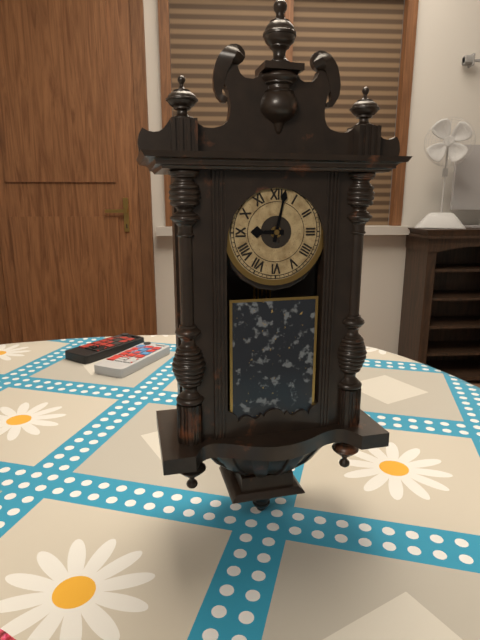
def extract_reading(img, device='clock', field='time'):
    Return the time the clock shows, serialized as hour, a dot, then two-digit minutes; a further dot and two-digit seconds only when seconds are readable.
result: 9.02
